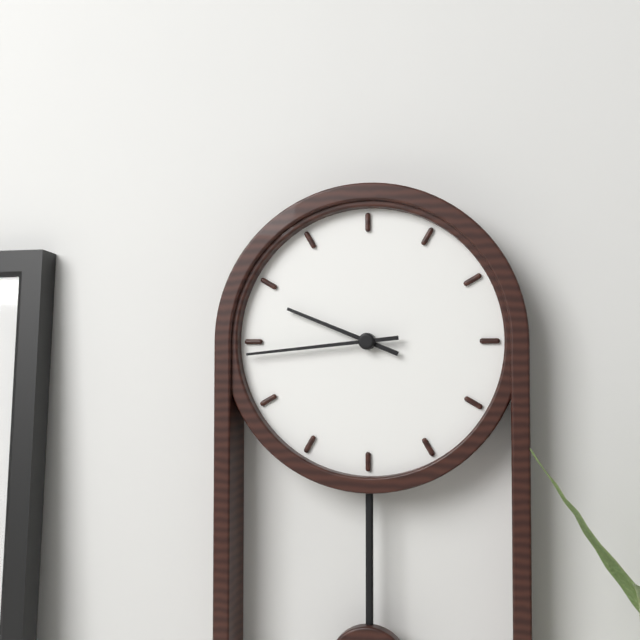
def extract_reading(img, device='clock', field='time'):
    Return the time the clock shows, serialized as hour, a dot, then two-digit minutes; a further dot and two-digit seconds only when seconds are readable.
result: 9.44
